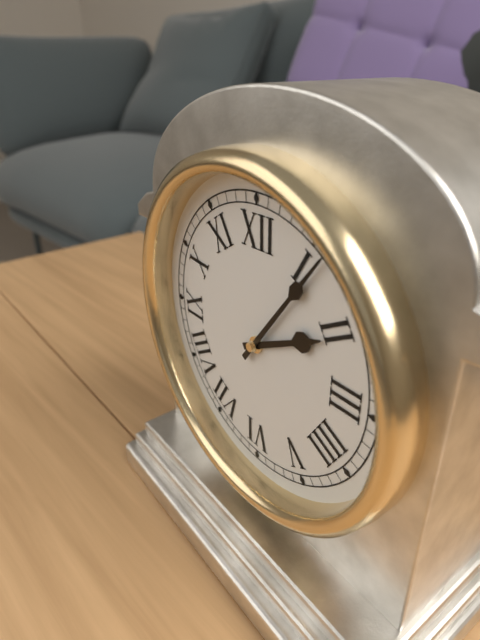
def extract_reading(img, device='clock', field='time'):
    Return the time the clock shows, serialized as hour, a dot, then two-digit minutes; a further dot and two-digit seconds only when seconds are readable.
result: 2.06
